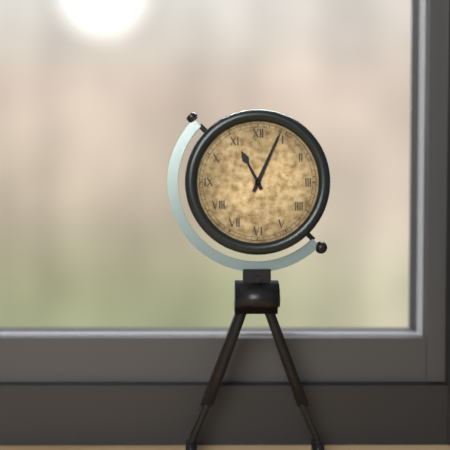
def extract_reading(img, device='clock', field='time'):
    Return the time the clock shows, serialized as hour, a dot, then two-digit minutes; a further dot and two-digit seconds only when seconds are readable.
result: 11.04
